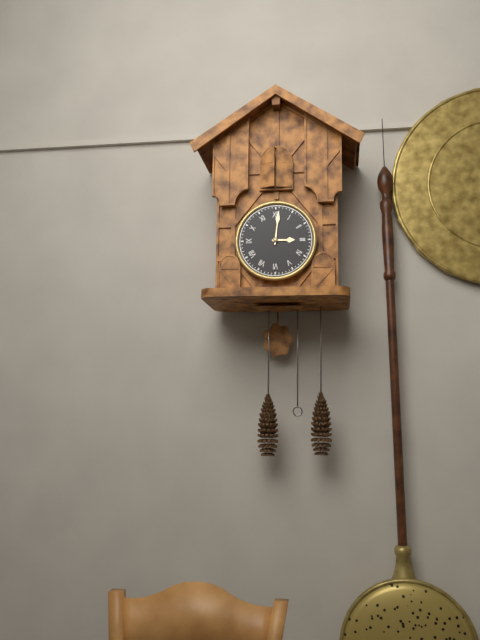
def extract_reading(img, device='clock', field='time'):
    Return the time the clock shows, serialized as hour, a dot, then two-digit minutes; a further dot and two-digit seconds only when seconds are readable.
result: 3.01
